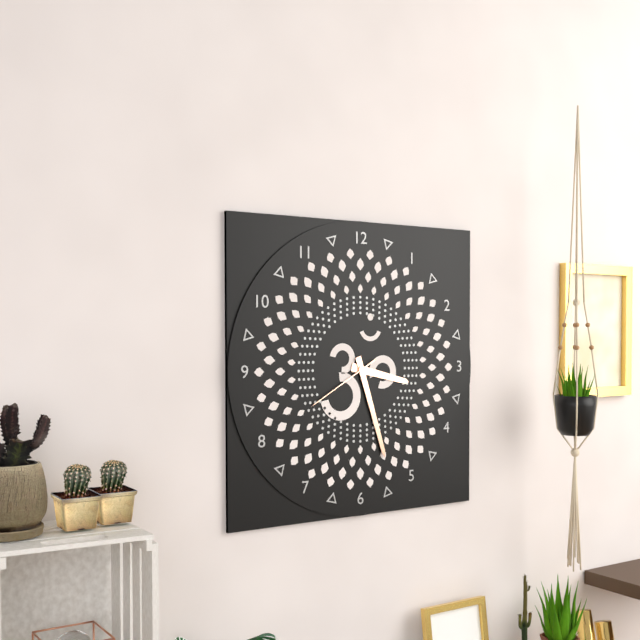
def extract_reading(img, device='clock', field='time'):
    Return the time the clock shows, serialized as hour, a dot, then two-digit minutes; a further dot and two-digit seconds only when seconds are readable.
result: 3.27.40
